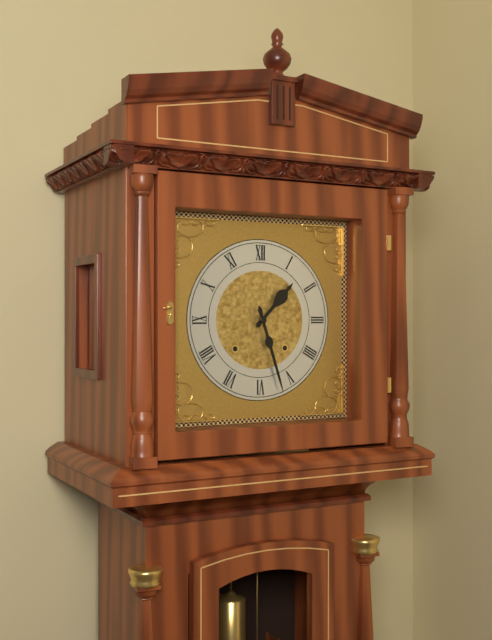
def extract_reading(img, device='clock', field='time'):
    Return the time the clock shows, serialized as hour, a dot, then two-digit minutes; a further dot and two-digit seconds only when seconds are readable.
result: 1.27
